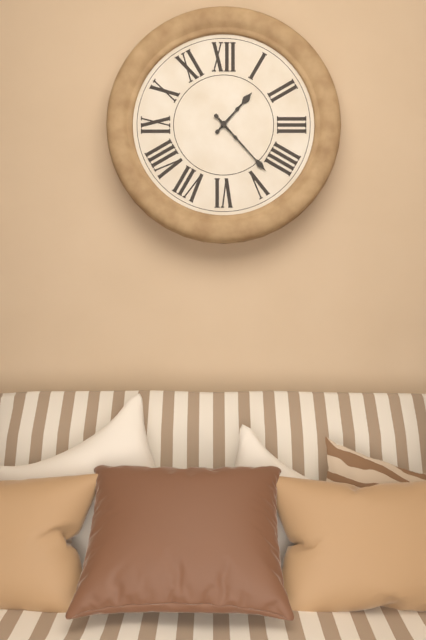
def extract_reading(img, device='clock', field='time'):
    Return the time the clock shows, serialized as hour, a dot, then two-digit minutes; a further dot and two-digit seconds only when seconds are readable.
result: 1.23
